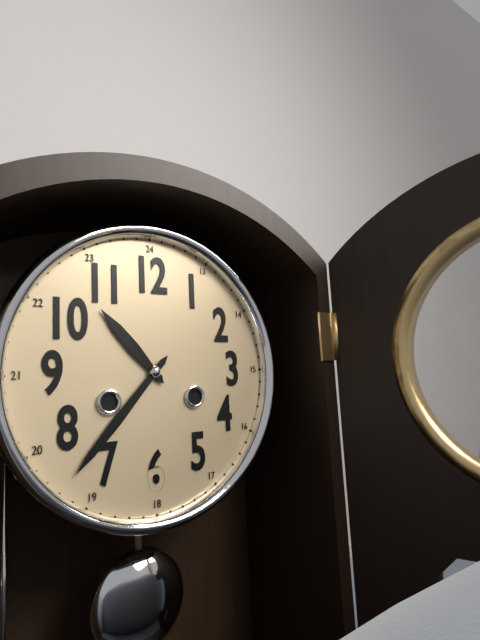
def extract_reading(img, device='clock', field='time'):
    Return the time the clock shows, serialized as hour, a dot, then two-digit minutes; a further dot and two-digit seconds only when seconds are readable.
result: 10.37
